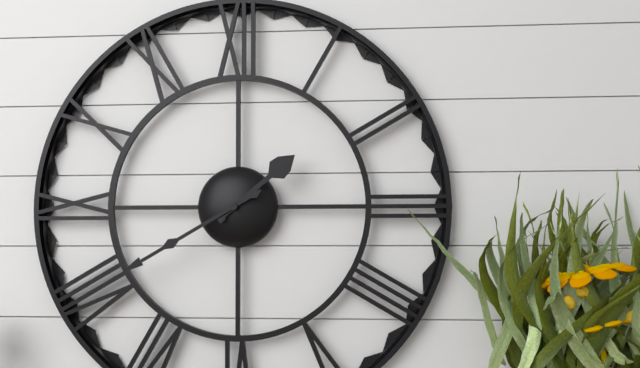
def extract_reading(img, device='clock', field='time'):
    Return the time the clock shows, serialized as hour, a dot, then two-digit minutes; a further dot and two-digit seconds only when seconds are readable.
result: 1.40
